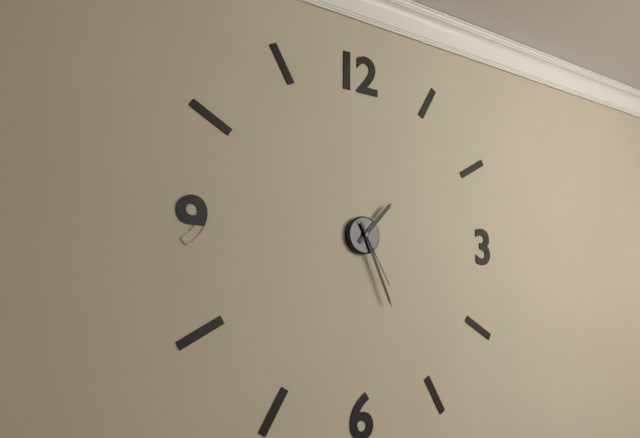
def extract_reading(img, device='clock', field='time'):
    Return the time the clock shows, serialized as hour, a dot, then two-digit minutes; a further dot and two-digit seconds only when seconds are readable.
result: 1.26.25
